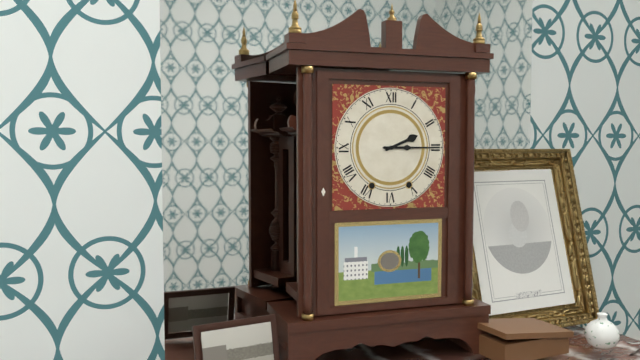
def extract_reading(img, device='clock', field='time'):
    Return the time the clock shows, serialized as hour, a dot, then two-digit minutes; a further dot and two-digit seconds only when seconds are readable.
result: 2.15
